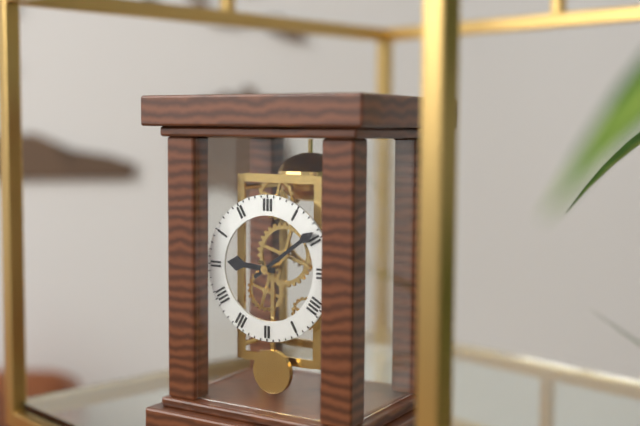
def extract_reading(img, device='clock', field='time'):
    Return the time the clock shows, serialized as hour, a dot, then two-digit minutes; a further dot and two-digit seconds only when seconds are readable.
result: 9.09
